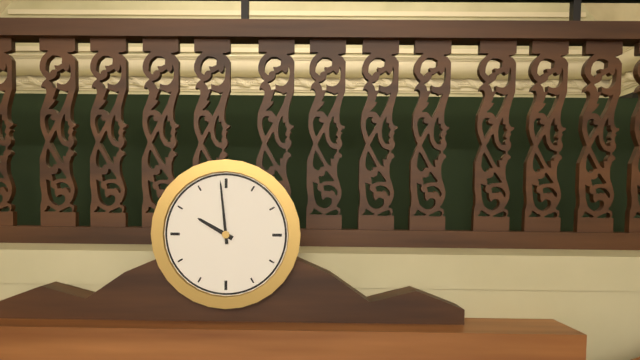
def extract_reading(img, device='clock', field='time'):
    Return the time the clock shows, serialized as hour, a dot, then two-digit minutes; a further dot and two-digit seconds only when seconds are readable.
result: 9.59
